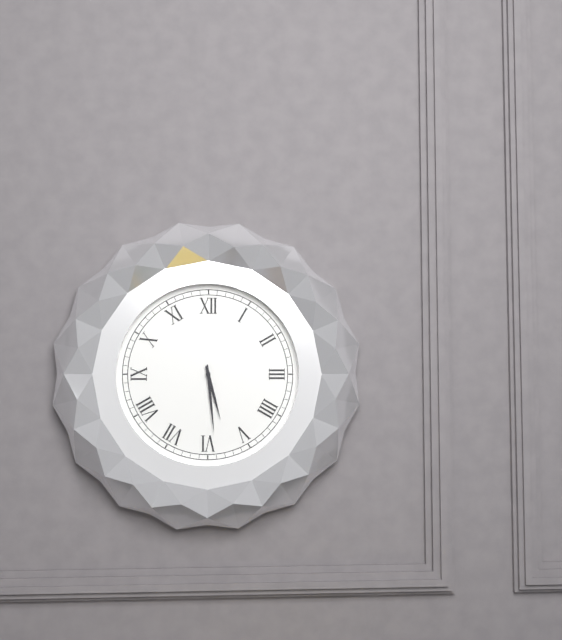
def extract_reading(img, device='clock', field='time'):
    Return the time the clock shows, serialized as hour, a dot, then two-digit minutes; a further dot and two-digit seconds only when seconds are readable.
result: 5.29
